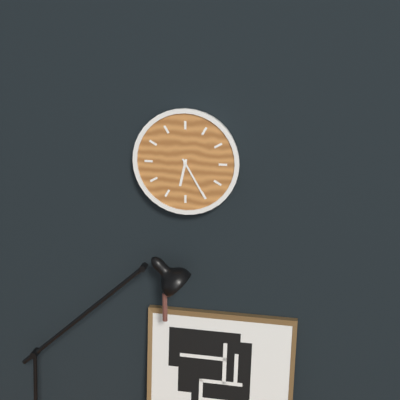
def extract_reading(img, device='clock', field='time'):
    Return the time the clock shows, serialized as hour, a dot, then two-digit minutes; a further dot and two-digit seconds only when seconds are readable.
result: 6.25
